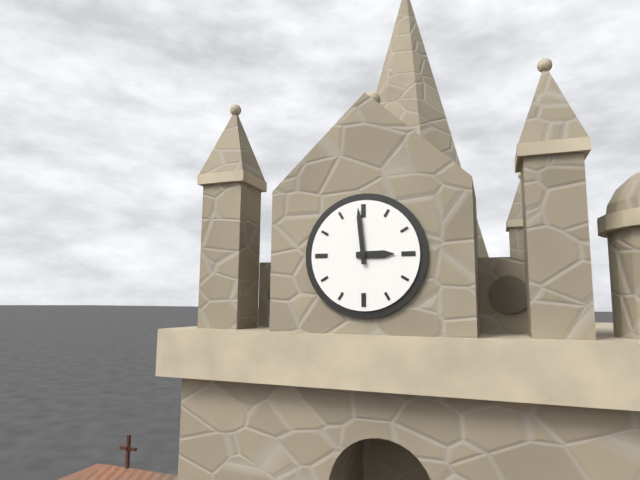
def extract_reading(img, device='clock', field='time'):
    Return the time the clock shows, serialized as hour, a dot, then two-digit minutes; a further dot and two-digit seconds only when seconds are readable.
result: 2.59
